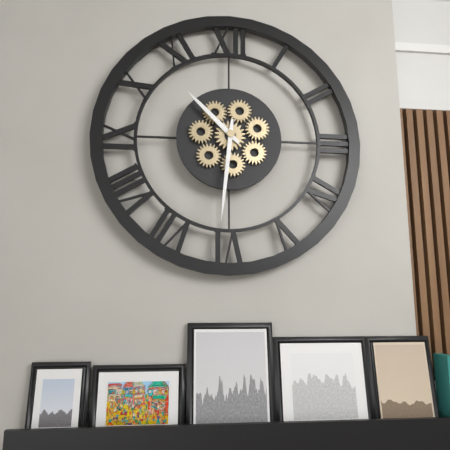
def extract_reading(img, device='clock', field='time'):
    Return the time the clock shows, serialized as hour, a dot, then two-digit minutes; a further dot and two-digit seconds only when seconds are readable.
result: 10.31
